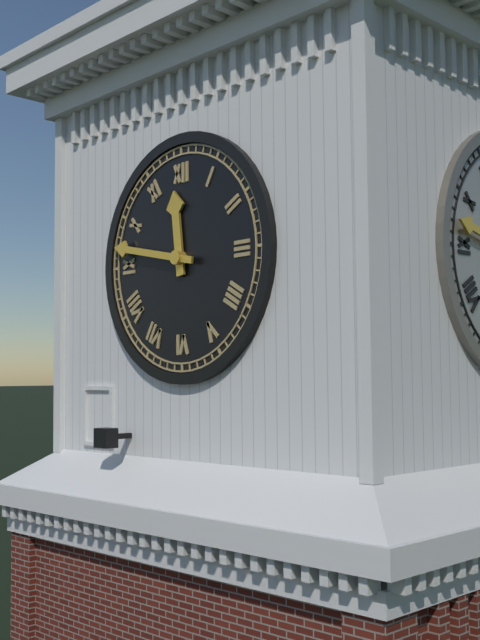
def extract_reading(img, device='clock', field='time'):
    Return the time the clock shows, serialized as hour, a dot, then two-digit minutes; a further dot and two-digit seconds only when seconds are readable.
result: 11.47
